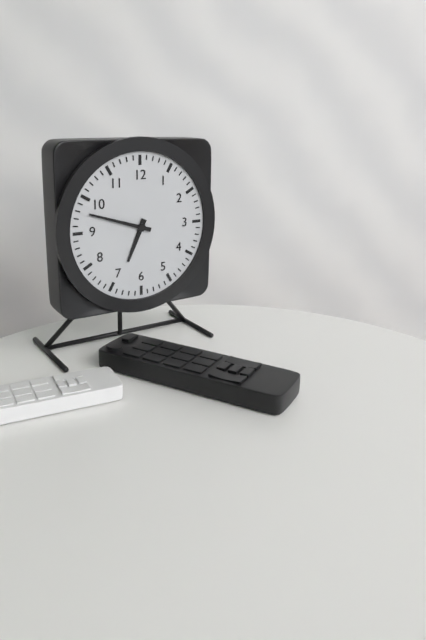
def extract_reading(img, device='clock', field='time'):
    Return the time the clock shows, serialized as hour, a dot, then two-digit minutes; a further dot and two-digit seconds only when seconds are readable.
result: 6.48
